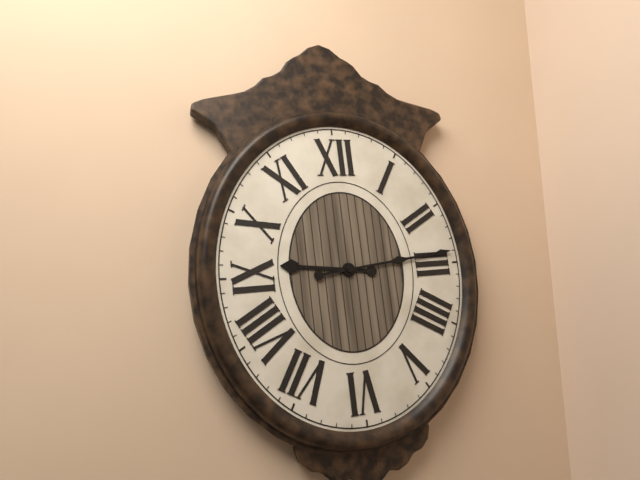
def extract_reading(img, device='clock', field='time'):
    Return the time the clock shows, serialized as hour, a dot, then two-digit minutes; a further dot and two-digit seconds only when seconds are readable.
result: 9.14
